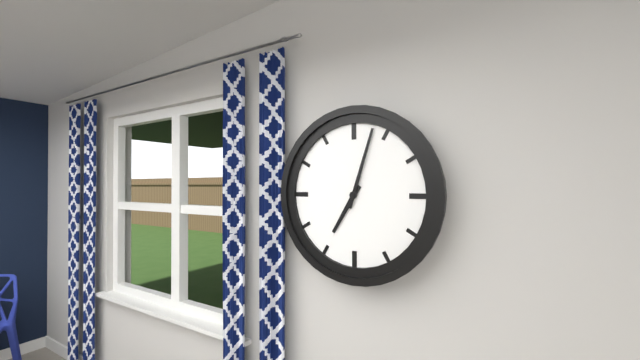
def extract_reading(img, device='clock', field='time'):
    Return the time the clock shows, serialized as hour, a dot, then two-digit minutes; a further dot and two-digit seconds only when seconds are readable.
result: 7.03
